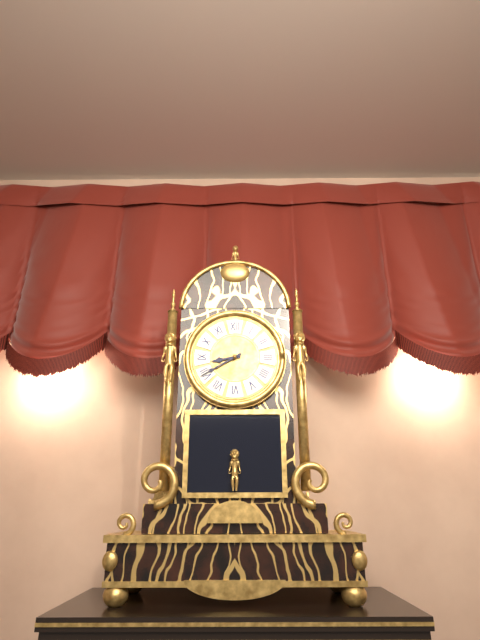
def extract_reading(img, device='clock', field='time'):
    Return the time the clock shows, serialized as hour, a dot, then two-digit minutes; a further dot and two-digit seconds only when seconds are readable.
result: 8.40
